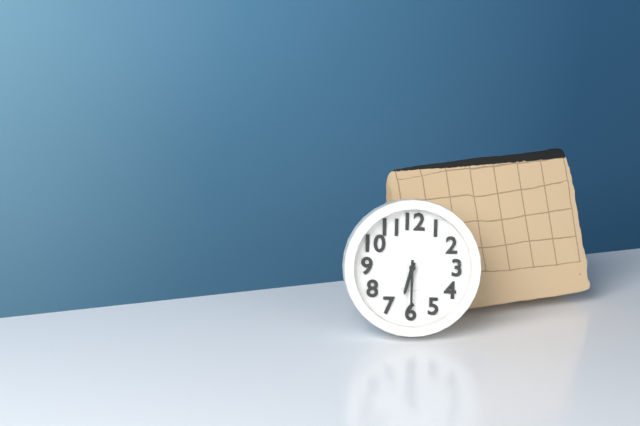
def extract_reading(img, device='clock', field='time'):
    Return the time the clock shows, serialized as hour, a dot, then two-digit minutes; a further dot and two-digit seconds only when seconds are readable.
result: 6.30
